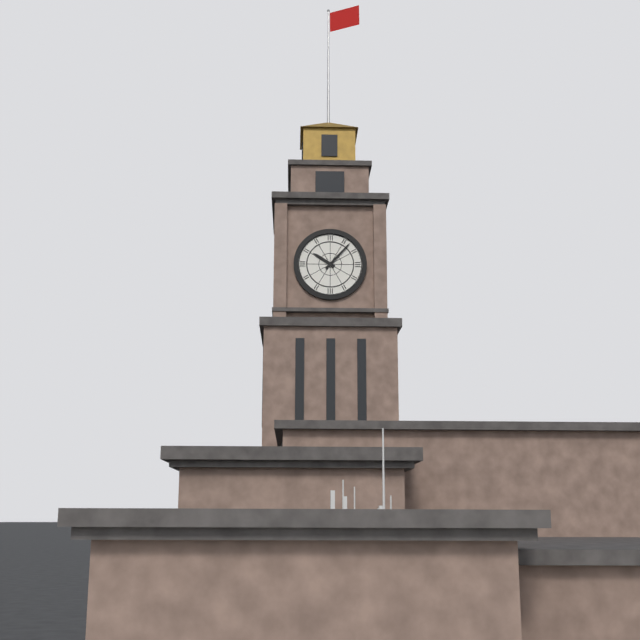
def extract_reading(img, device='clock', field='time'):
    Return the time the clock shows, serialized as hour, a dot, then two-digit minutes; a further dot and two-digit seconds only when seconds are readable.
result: 10.07
